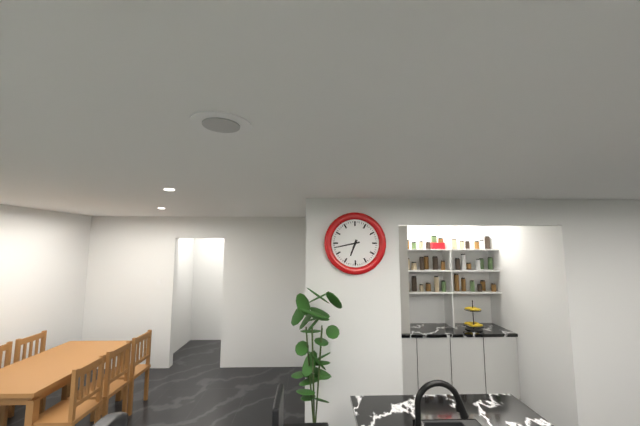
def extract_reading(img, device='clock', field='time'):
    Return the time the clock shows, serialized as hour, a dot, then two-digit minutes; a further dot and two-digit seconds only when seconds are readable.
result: 6.43
